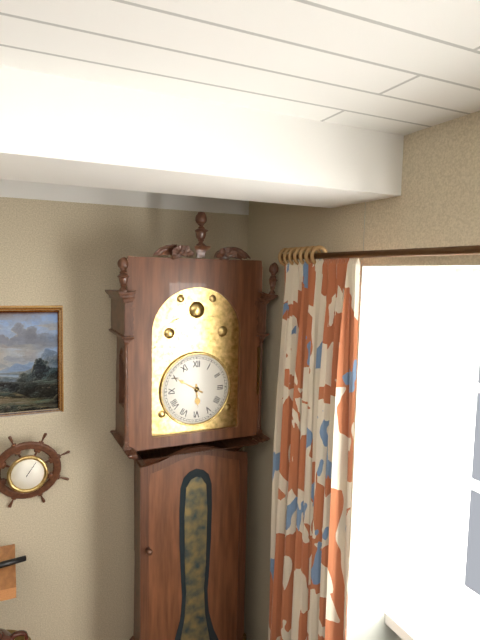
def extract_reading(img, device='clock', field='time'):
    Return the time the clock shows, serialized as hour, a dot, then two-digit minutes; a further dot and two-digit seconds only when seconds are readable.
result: 5.50
